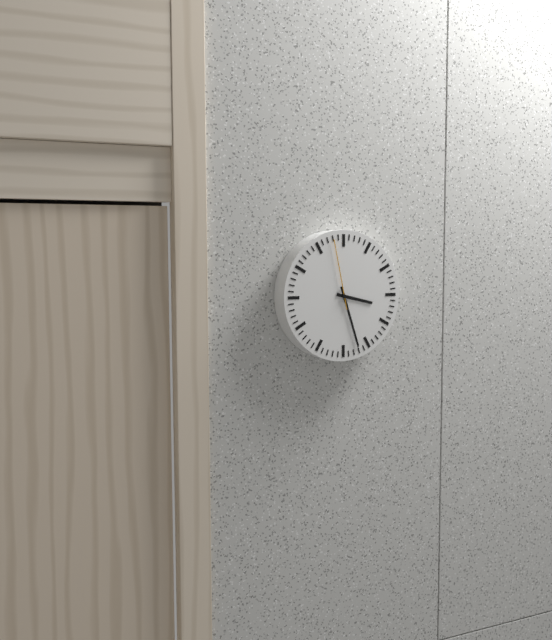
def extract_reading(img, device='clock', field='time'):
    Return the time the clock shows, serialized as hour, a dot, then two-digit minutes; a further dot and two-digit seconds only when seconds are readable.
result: 3.27.58
